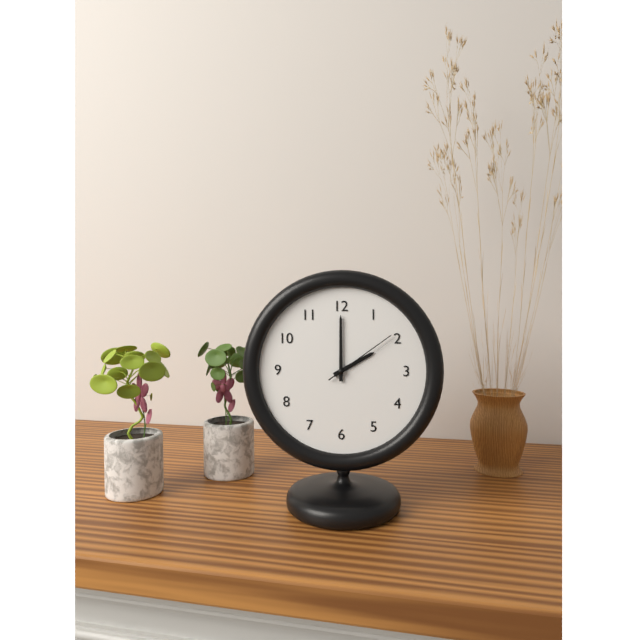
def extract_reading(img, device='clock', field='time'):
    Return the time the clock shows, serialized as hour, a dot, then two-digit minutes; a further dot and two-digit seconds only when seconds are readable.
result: 2.00.09
